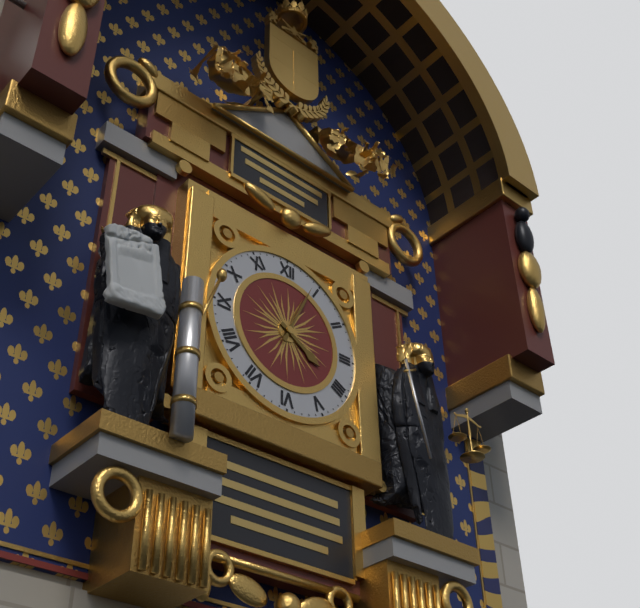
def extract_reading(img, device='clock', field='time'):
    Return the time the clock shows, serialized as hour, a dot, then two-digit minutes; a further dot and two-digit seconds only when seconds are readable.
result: 4.04
